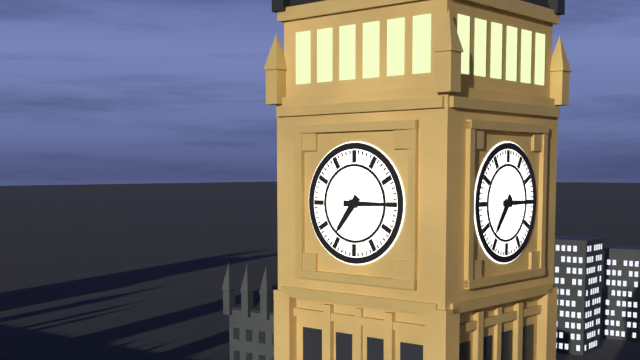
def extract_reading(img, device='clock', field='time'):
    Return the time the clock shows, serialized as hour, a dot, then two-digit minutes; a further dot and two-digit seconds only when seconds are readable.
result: 7.15
